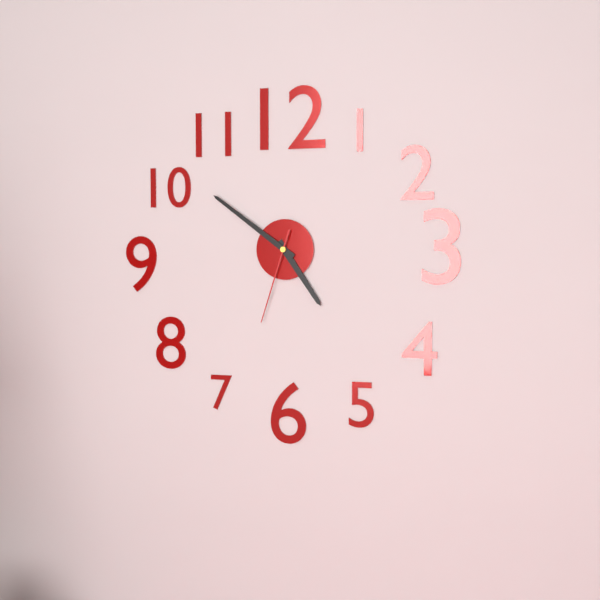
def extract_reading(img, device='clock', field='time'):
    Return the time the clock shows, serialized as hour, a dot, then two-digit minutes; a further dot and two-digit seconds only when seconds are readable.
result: 4.51.33
